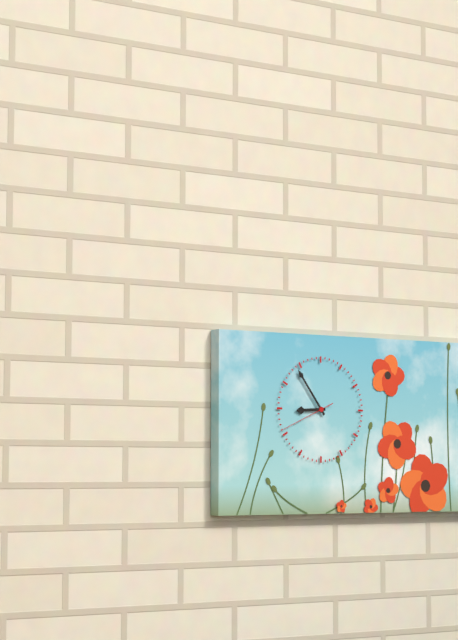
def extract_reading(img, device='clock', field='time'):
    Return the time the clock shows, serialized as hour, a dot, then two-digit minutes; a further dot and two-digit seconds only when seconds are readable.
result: 8.54.41
